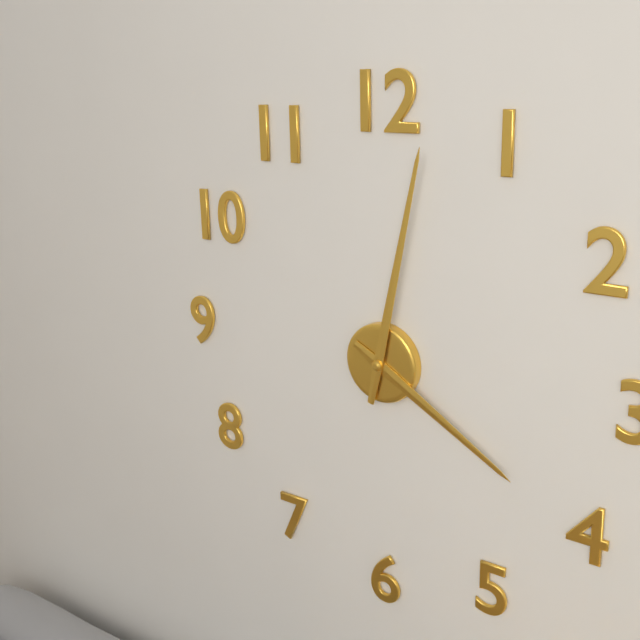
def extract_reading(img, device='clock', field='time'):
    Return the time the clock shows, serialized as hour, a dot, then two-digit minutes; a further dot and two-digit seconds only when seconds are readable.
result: 4.02
